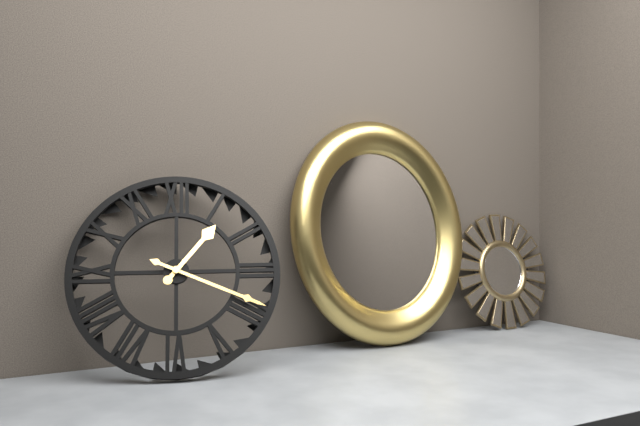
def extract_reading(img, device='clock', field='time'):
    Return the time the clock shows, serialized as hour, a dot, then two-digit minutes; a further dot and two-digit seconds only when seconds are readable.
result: 1.19
